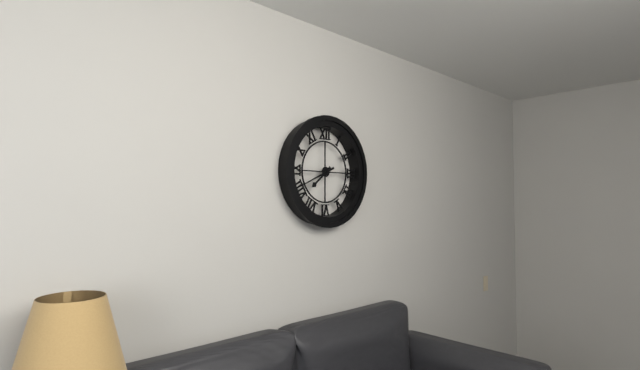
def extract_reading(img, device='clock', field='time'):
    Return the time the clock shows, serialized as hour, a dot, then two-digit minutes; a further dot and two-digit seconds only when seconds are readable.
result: 7.41
